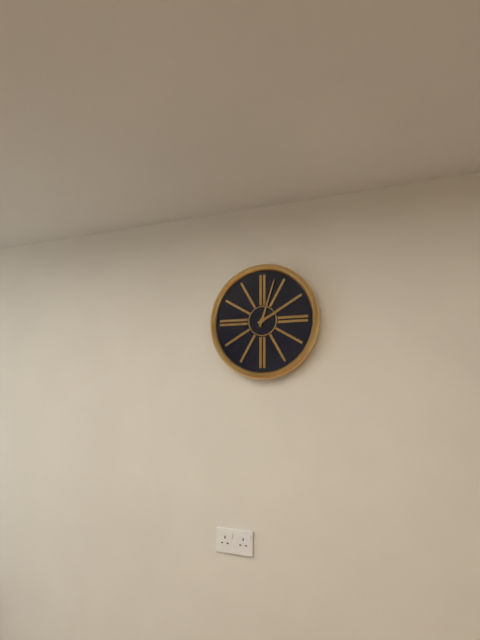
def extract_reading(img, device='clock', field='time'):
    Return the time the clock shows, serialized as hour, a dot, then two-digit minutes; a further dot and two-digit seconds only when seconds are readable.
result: 2.03
